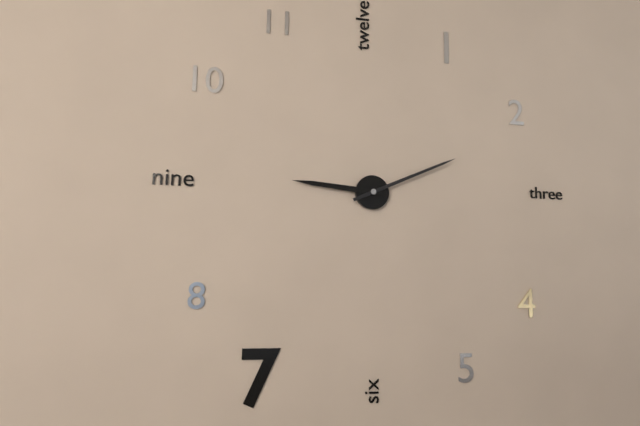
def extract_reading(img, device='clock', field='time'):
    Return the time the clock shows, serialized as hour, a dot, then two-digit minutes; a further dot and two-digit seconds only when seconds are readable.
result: 9.11
